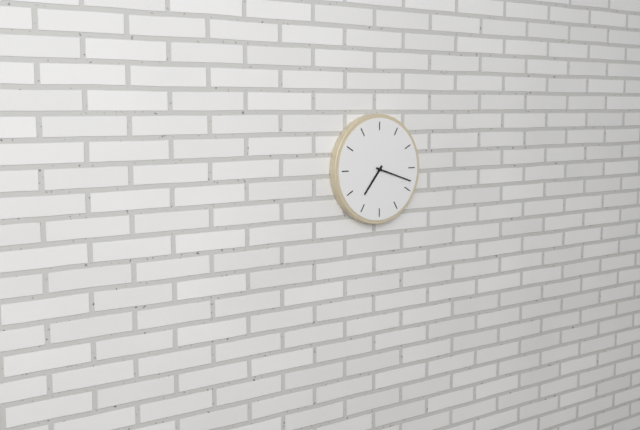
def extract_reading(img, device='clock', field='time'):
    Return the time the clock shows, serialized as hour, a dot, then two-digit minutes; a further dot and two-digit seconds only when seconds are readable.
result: 7.18
